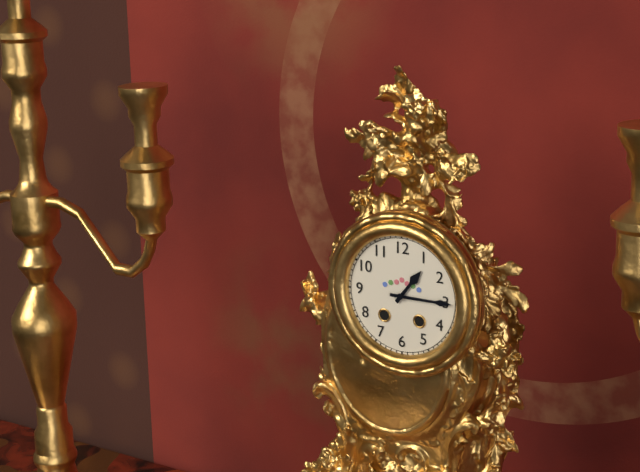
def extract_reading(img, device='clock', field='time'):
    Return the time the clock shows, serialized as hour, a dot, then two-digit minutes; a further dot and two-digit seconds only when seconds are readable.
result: 1.15
